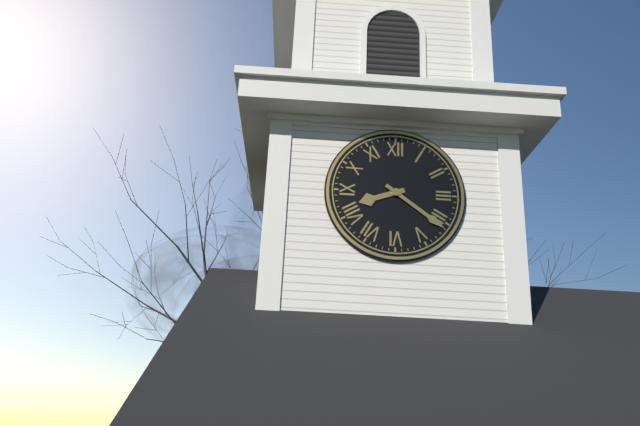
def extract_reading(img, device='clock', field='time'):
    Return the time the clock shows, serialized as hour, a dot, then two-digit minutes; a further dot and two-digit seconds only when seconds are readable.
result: 8.21
